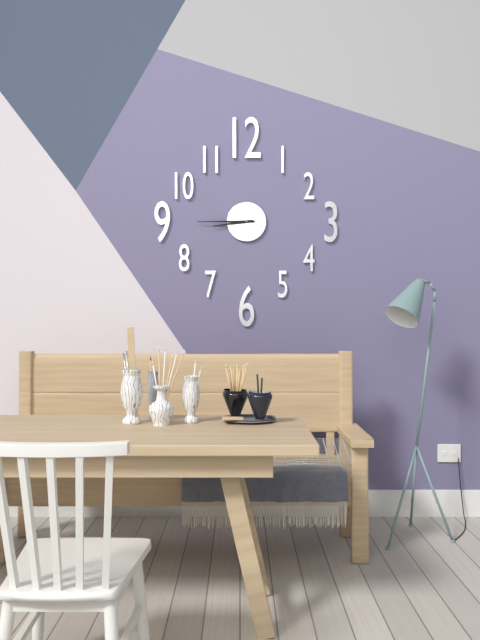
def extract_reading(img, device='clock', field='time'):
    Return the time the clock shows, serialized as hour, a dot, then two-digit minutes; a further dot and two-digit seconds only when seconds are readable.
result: 8.45
